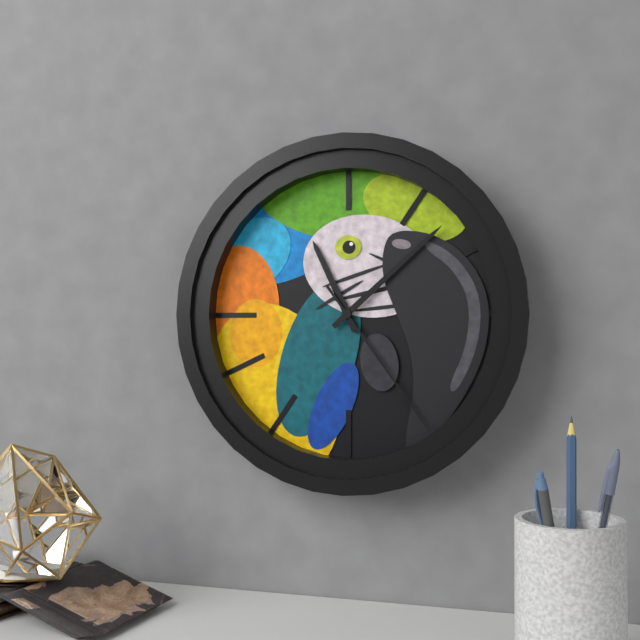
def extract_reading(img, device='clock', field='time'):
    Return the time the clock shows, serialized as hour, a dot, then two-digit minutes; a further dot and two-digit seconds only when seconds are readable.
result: 11.08.24
